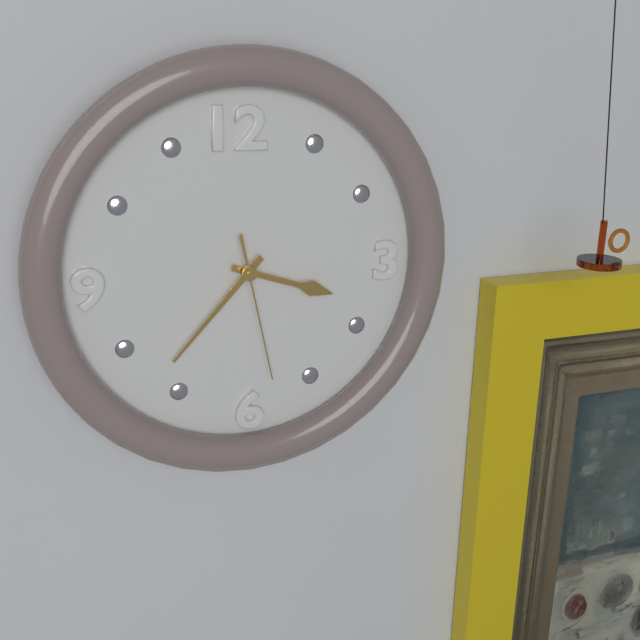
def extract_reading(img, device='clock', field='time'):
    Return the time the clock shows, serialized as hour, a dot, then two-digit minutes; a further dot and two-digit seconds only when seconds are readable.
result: 3.37.28
